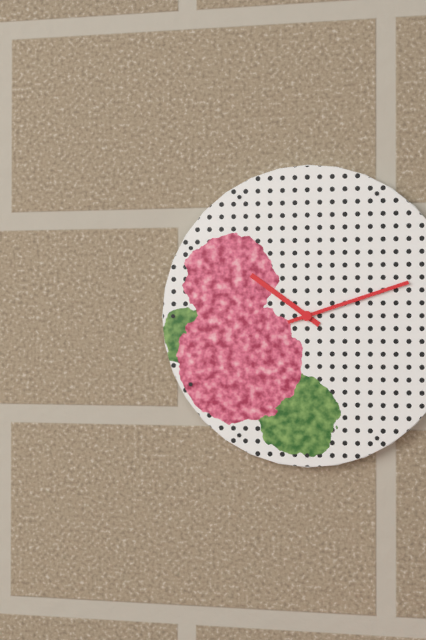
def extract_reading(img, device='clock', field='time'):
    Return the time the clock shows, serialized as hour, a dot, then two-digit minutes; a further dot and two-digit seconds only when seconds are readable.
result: 10.12
